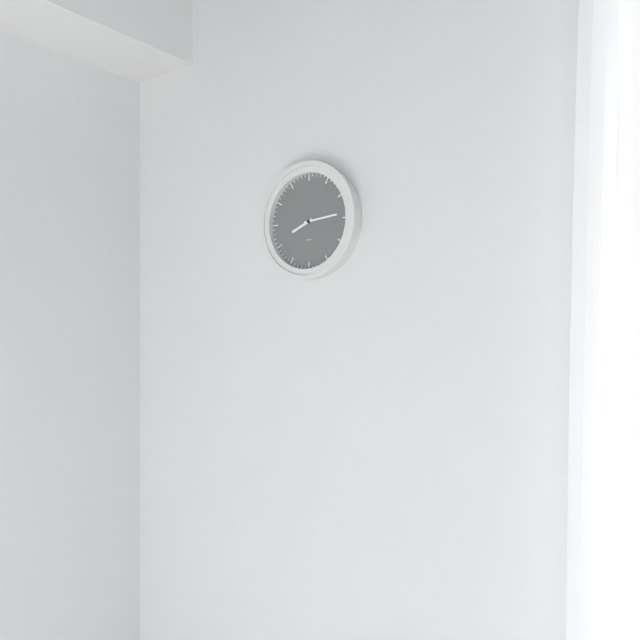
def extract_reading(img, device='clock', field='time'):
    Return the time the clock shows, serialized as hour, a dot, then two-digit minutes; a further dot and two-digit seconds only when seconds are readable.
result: 8.14
